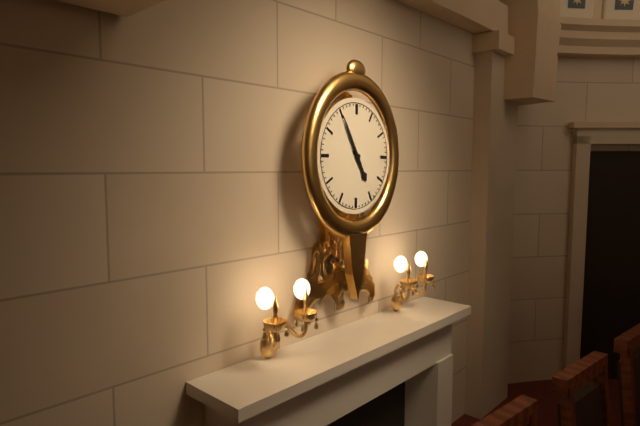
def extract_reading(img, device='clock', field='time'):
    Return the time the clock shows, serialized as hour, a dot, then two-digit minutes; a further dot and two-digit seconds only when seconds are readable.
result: 4.55
